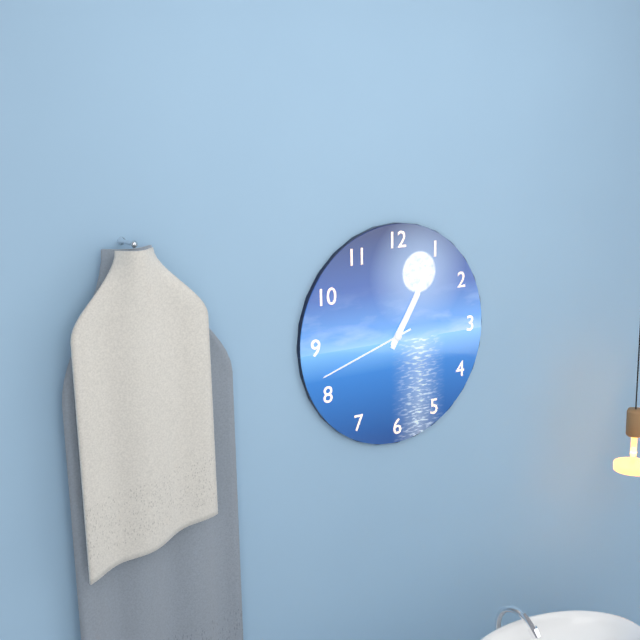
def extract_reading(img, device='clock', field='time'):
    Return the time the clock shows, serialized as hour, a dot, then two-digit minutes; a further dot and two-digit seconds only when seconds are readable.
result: 1.05.42
